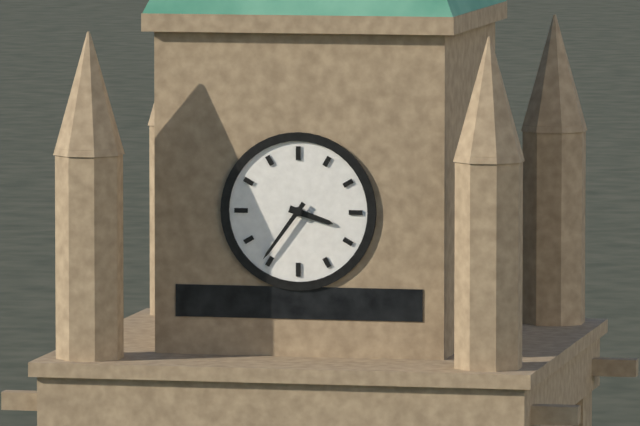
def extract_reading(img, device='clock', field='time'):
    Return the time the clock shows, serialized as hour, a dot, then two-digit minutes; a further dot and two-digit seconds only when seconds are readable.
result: 3.36
